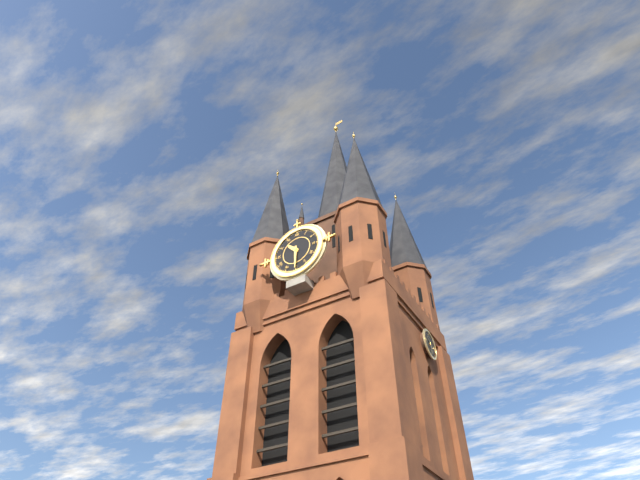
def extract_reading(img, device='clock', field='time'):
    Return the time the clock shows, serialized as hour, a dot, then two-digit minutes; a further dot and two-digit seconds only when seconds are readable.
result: 10.30
